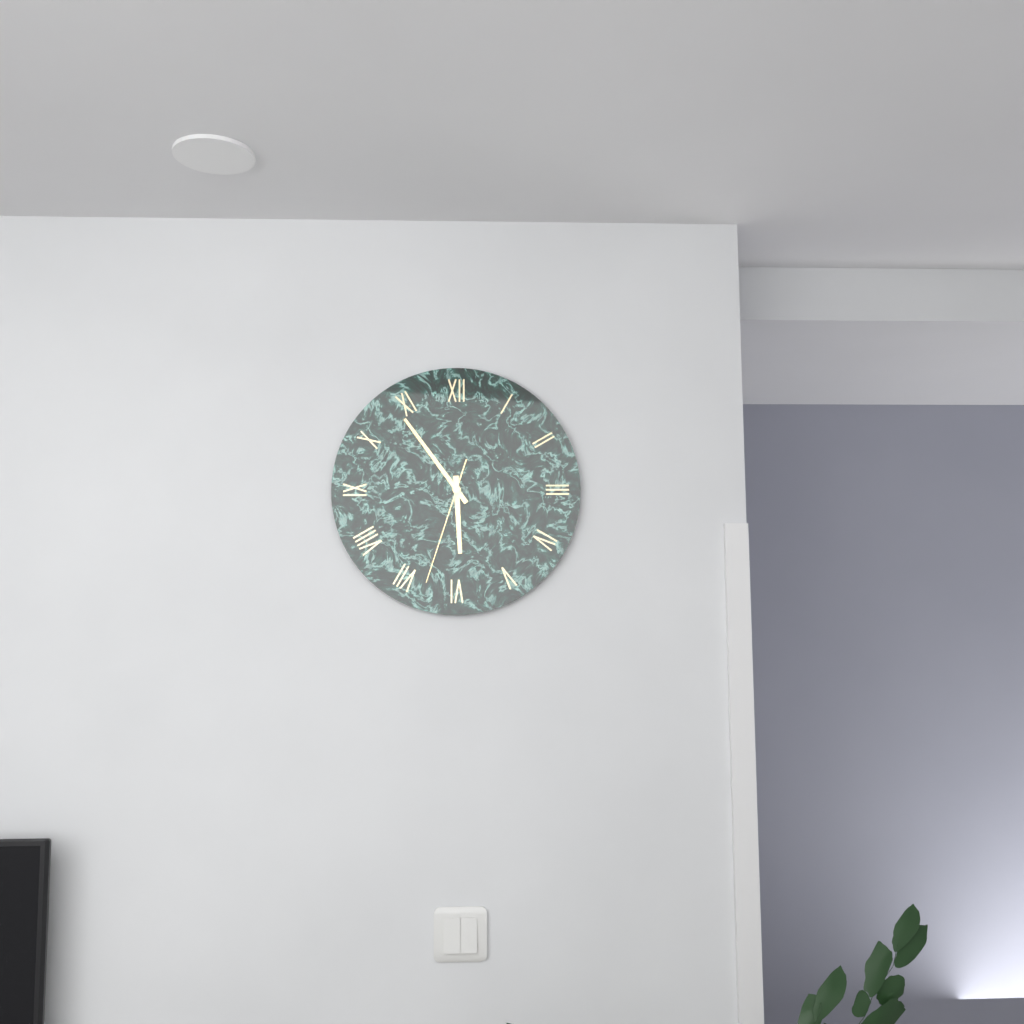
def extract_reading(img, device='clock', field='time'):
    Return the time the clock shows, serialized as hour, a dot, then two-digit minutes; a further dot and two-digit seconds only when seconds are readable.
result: 5.54.33
